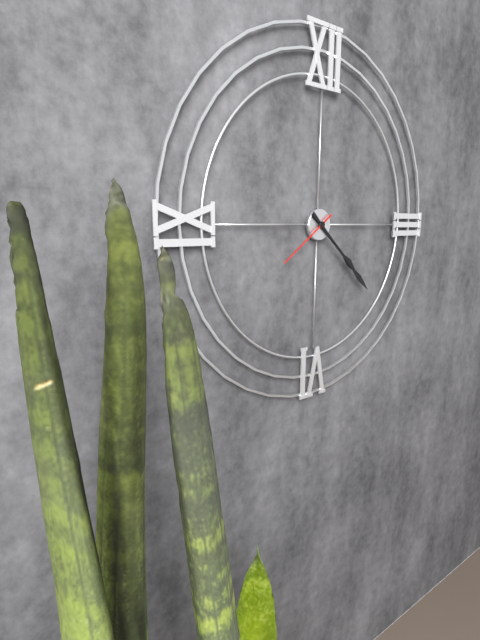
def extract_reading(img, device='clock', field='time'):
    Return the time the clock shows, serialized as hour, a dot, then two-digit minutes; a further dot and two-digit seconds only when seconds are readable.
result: 4.22.39
